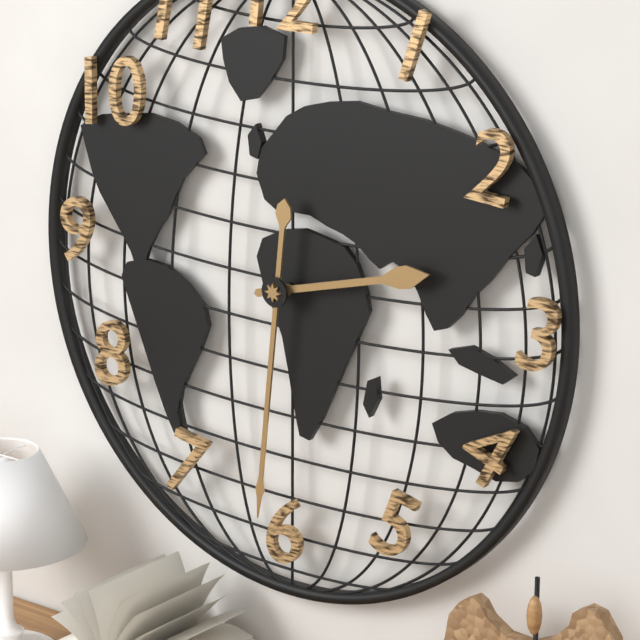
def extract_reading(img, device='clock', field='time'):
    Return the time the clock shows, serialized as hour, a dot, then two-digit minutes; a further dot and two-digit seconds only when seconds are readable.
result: 2.31
